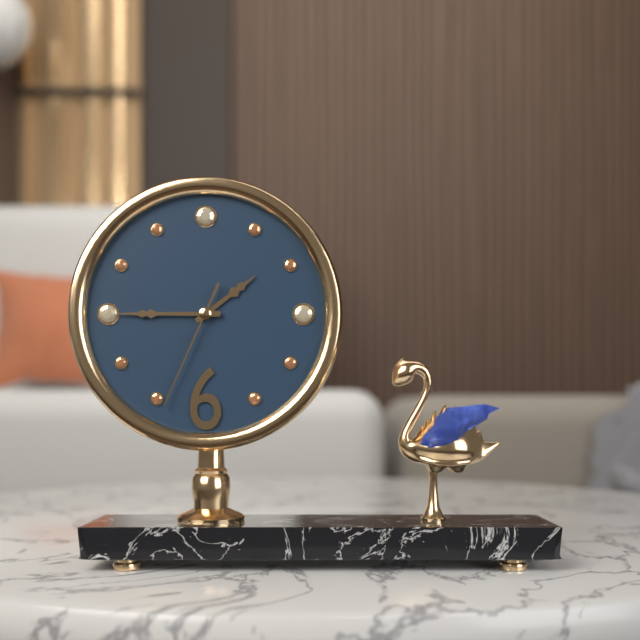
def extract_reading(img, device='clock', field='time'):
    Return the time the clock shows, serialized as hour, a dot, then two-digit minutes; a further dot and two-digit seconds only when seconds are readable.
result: 1.45.34
